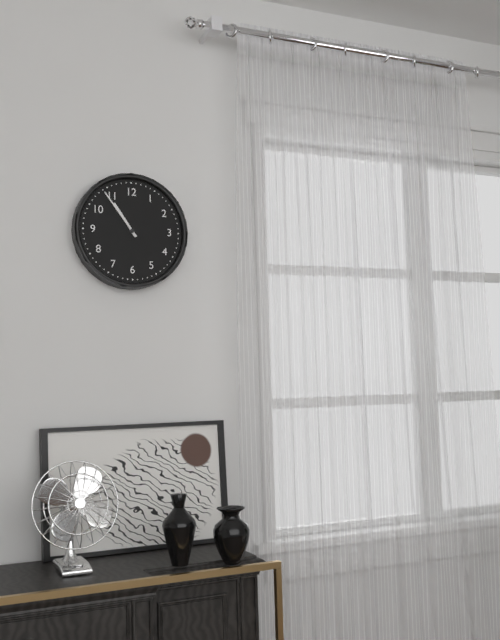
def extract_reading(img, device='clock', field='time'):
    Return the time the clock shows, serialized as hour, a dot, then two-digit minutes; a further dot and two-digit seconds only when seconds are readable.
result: 10.54
